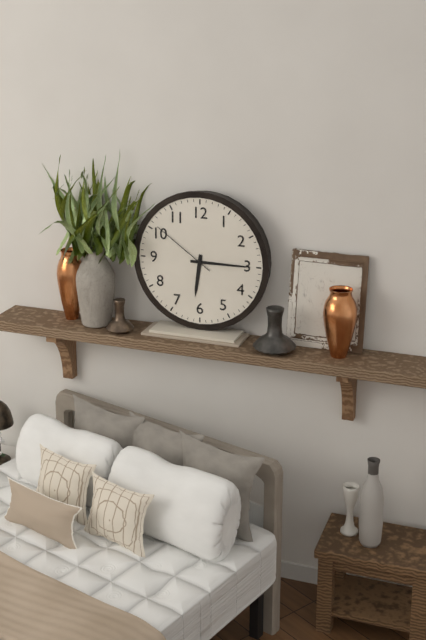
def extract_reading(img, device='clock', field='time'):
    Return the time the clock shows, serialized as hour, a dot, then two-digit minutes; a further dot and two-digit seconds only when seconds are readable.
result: 6.15.51
